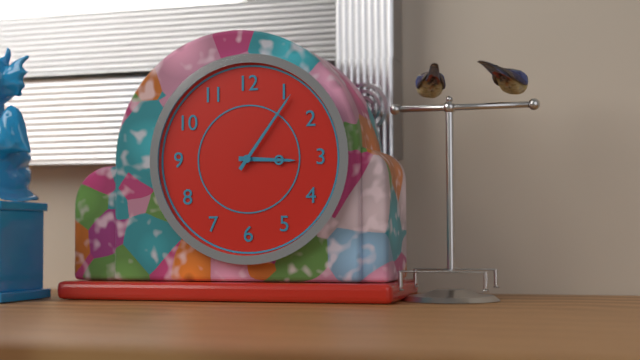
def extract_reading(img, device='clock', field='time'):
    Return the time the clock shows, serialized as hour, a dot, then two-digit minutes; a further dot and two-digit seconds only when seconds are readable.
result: 3.06
